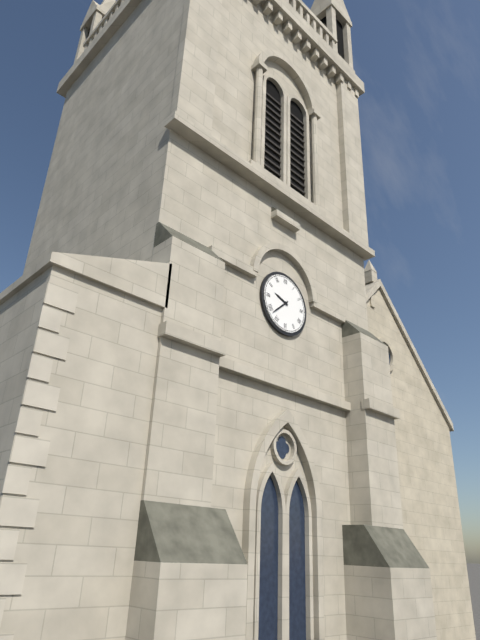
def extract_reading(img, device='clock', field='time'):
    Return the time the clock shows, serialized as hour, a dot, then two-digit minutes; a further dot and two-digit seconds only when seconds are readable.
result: 9.38
